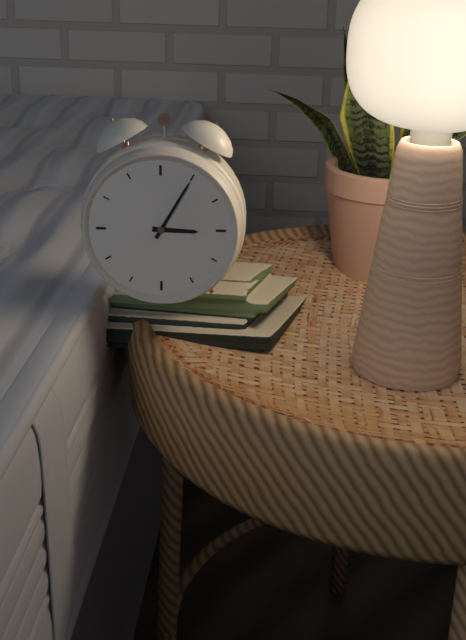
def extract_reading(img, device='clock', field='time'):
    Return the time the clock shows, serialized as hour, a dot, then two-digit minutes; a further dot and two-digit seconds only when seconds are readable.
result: 3.05
